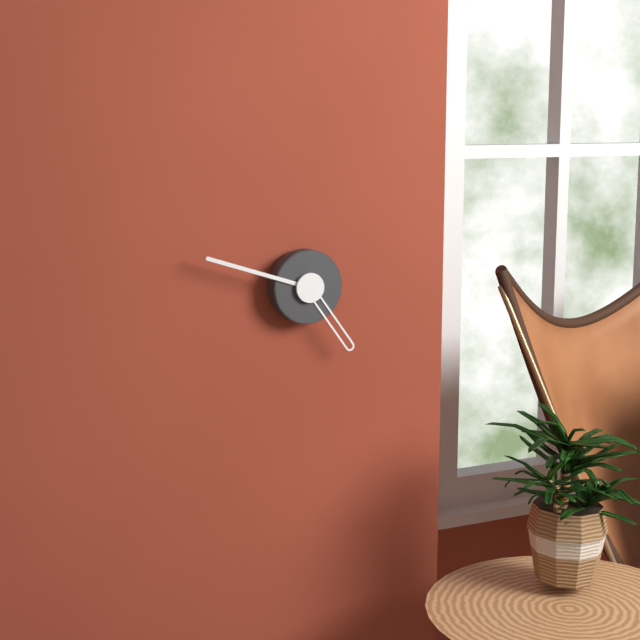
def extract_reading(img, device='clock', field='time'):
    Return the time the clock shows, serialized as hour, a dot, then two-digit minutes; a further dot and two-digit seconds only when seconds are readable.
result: 4.48
